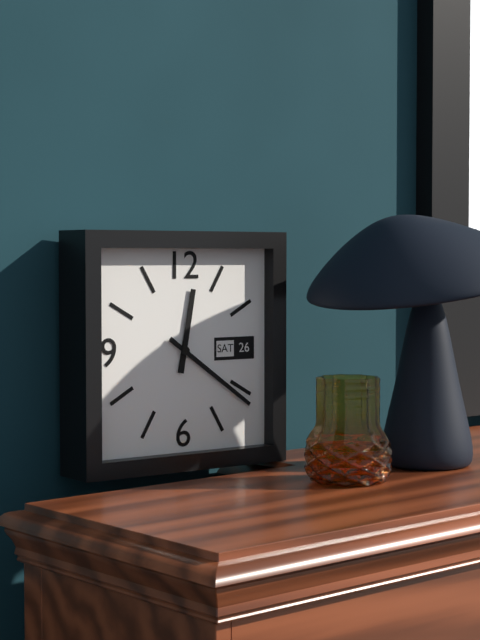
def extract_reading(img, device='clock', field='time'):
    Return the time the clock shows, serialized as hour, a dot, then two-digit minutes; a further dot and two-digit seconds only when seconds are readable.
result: 12.21
